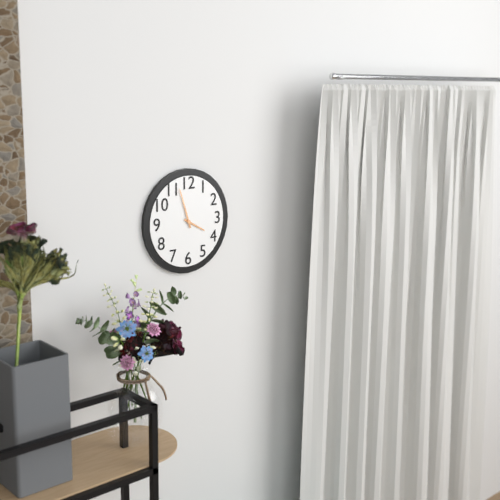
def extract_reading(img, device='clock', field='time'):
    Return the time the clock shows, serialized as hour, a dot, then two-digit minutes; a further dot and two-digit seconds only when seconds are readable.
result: 3.57
